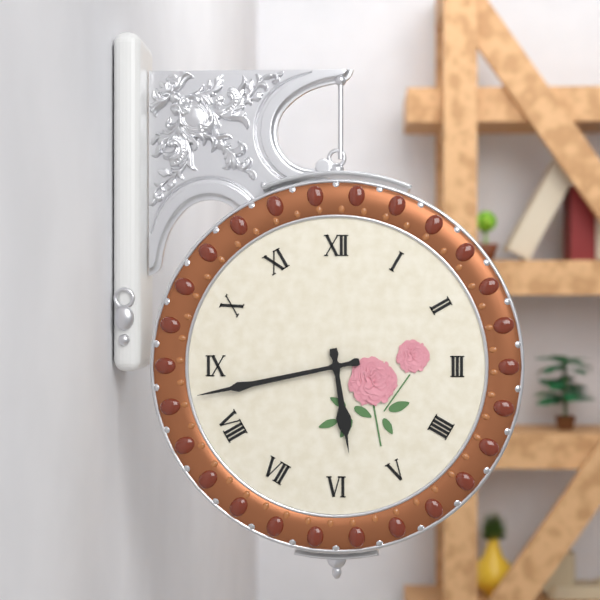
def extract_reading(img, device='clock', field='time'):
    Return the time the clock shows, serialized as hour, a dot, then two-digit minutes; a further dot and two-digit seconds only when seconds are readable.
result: 5.43
